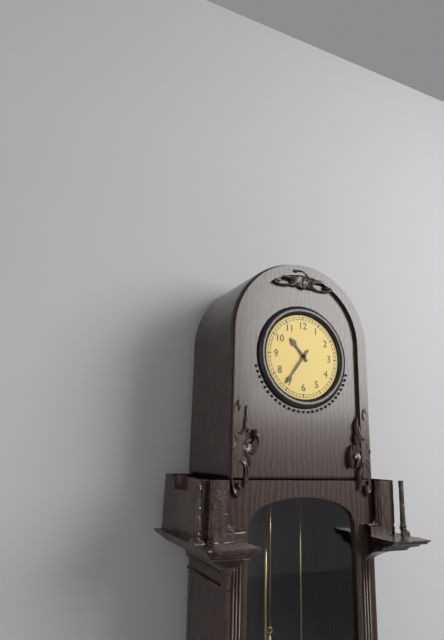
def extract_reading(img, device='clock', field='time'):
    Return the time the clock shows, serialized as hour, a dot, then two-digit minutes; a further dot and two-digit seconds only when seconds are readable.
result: 10.36
